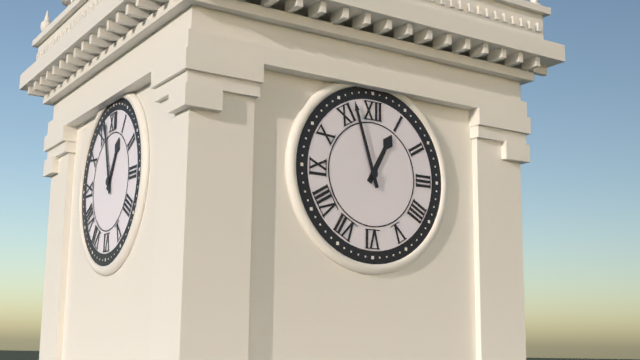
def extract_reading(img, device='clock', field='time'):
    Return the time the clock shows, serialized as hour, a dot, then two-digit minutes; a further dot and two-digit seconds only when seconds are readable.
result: 12.57
